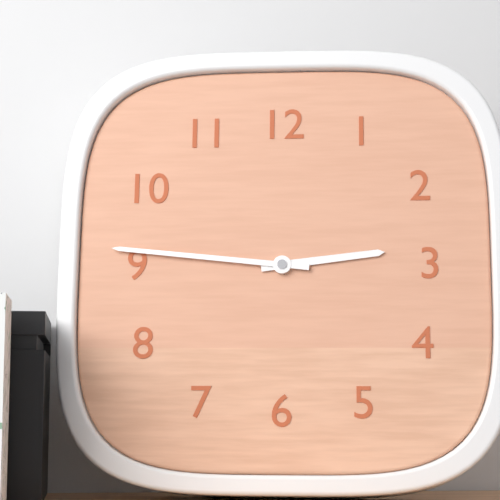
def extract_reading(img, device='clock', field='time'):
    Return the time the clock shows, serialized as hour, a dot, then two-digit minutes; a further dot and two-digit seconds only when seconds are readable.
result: 2.46
